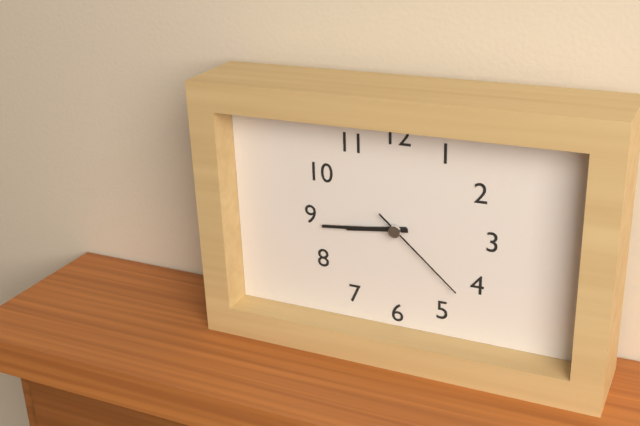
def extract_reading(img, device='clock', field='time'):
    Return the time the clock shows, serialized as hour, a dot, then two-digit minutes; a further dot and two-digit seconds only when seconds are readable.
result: 8.44.22
